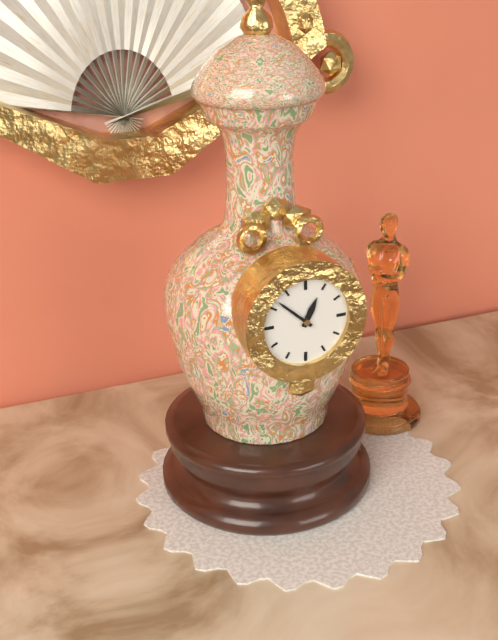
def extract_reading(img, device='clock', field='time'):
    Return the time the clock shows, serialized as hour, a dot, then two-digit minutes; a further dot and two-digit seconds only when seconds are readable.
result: 12.52
